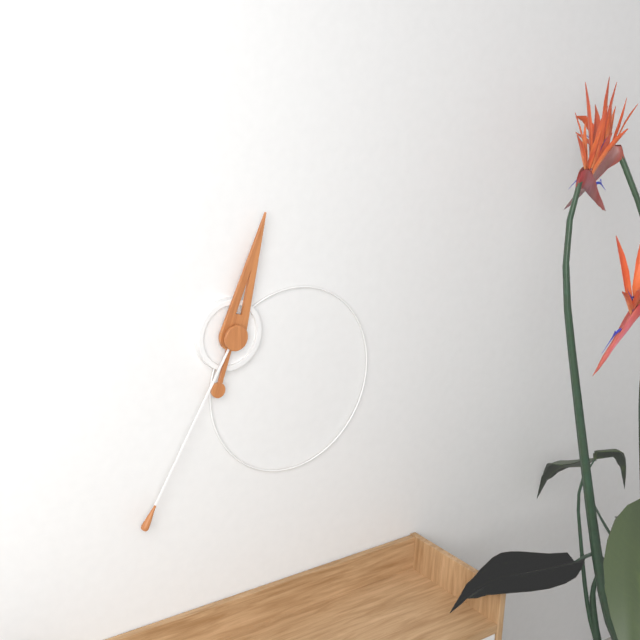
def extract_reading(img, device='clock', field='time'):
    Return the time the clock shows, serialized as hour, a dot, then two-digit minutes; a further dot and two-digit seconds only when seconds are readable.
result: 12.35
